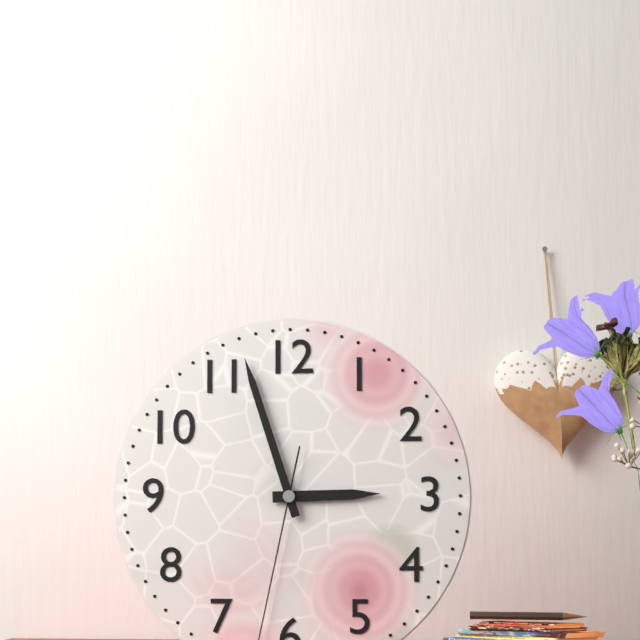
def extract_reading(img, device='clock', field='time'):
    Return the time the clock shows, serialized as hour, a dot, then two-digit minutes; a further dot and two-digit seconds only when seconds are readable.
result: 2.57
